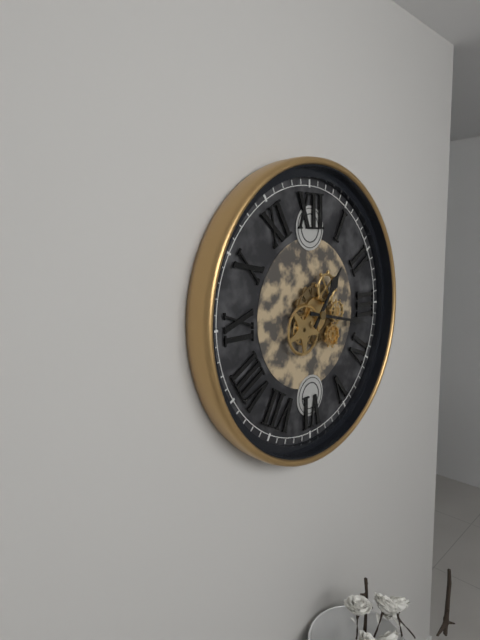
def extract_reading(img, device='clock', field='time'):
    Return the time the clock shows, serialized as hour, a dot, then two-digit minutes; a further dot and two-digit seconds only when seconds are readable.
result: 1.17
